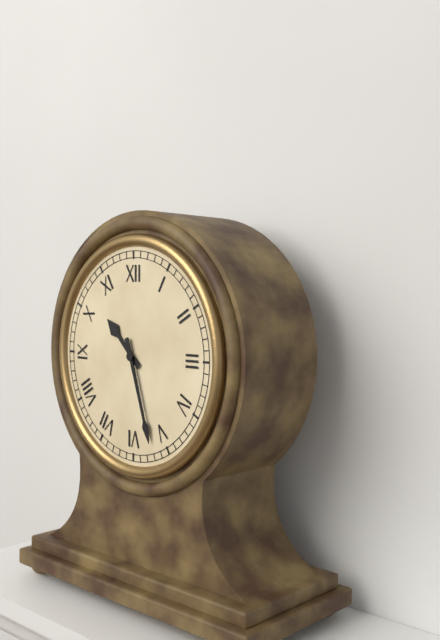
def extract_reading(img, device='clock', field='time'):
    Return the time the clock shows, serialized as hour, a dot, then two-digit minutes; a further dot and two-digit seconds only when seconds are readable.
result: 10.27
